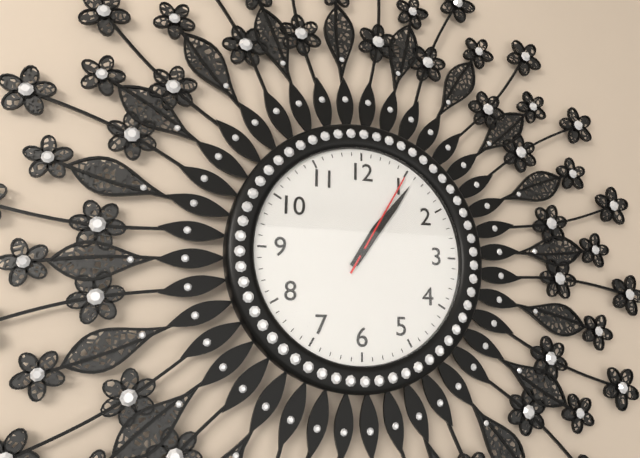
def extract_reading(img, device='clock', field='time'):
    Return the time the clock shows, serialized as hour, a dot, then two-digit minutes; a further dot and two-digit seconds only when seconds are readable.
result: 1.06.05
